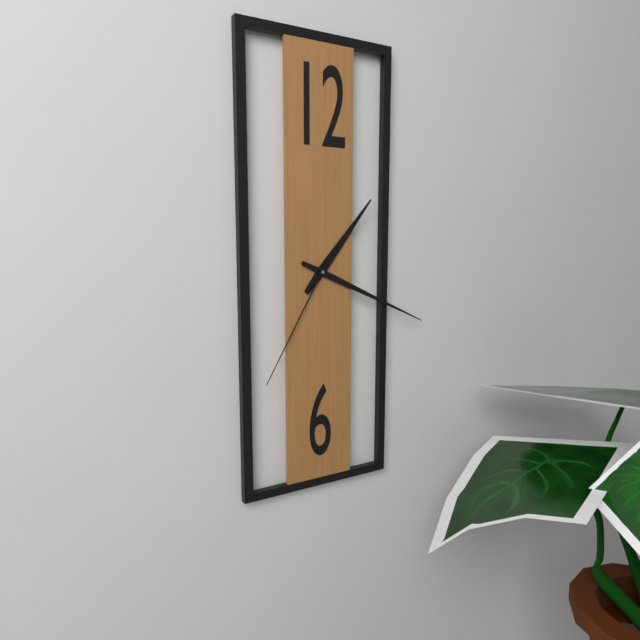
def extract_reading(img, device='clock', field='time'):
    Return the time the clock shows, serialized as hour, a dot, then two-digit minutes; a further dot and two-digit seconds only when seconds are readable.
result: 1.19.35
